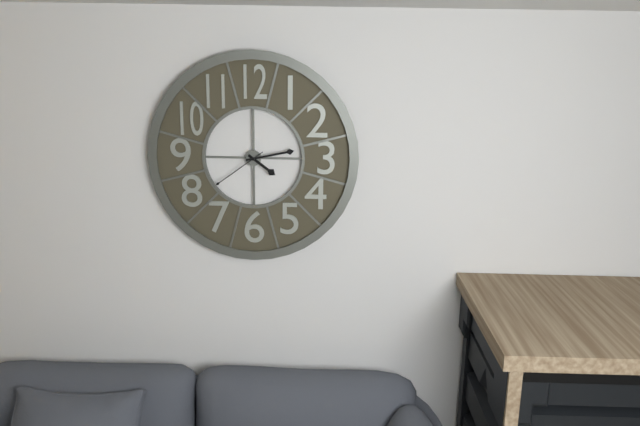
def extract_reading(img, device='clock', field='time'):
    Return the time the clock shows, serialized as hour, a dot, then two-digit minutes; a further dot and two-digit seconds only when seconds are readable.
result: 4.13.39
